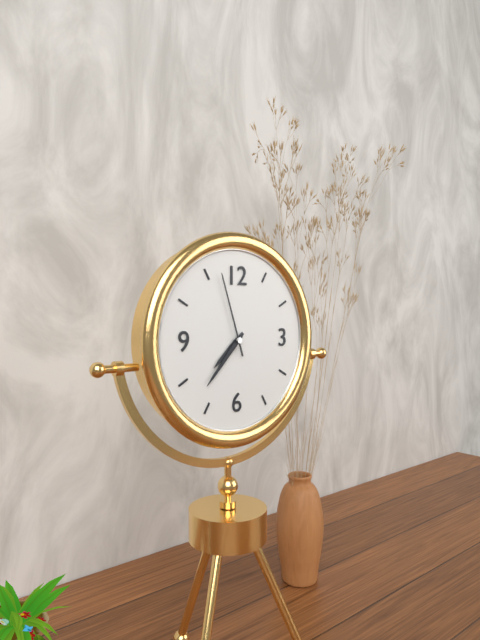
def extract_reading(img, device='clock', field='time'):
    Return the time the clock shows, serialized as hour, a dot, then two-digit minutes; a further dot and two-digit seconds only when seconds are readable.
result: 7.37.57
